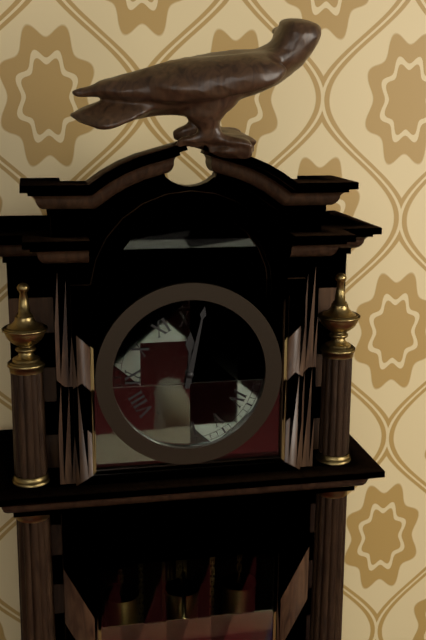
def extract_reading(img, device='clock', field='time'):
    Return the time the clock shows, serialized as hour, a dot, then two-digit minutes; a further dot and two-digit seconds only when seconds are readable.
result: 12.02
